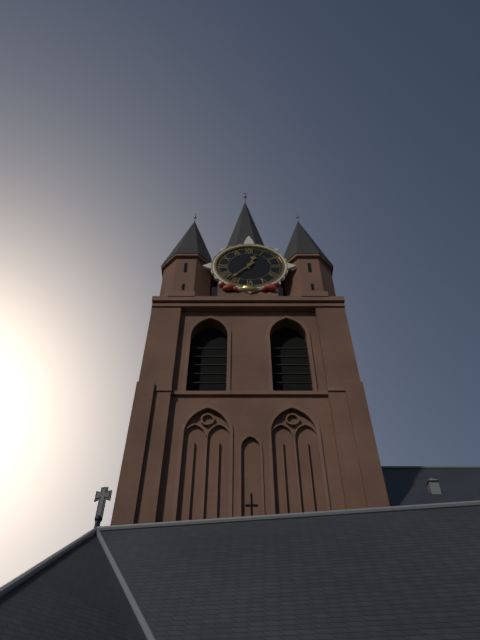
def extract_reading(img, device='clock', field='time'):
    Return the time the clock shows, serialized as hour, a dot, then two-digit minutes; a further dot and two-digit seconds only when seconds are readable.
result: 12.37
